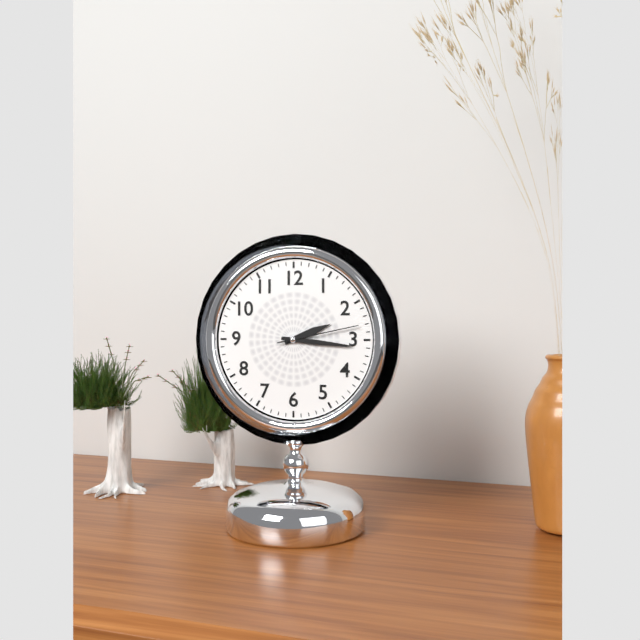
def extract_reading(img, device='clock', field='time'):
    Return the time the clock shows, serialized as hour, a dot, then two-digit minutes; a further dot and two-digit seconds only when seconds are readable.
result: 2.16.13
